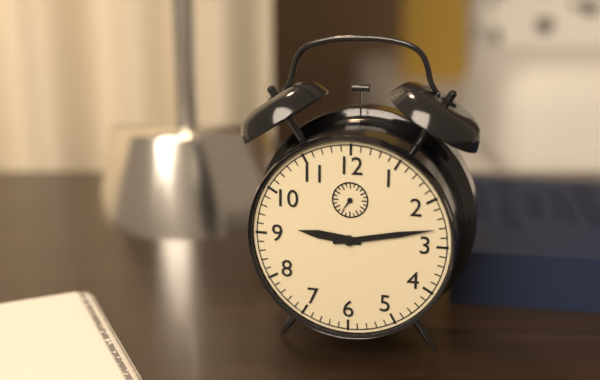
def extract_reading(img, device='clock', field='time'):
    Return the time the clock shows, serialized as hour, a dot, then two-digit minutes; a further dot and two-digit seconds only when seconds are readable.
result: 9.13
